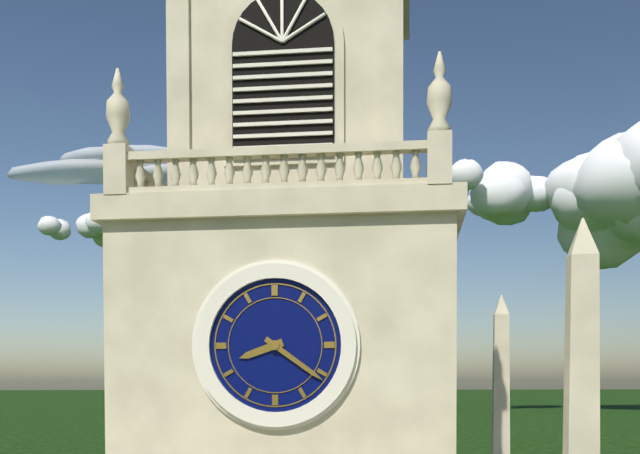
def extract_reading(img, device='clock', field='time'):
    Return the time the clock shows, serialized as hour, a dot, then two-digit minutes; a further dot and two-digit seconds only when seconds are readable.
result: 8.21
